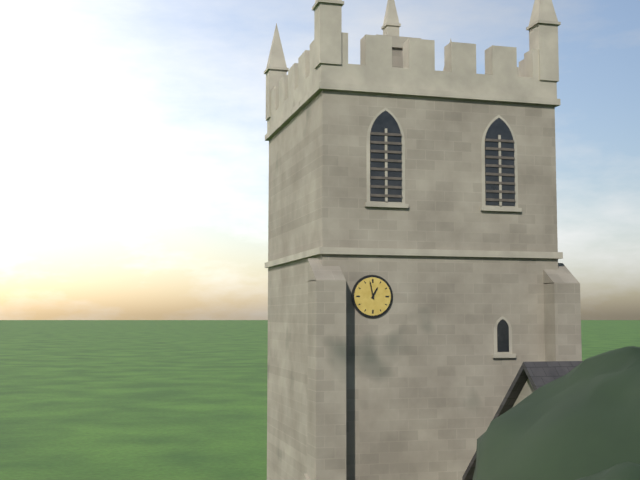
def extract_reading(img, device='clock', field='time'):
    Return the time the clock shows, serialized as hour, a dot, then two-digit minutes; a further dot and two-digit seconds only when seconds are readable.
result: 12.58
